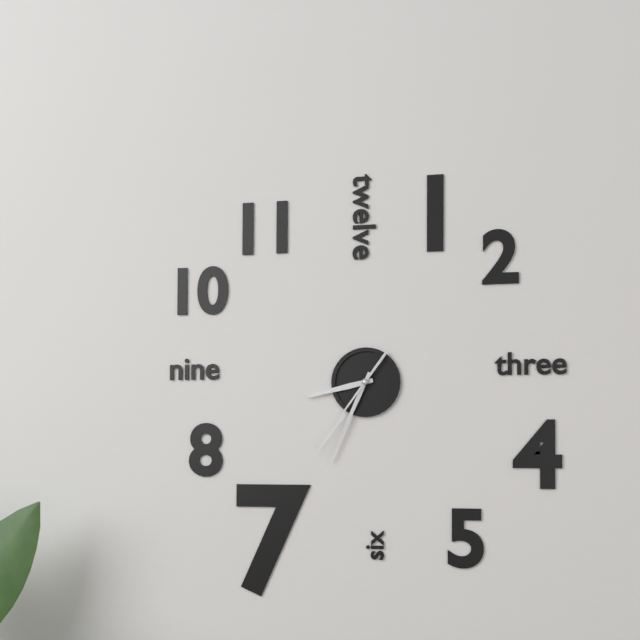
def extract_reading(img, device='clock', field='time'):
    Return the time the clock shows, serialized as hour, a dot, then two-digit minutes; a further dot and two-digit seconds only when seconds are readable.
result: 8.34.36
